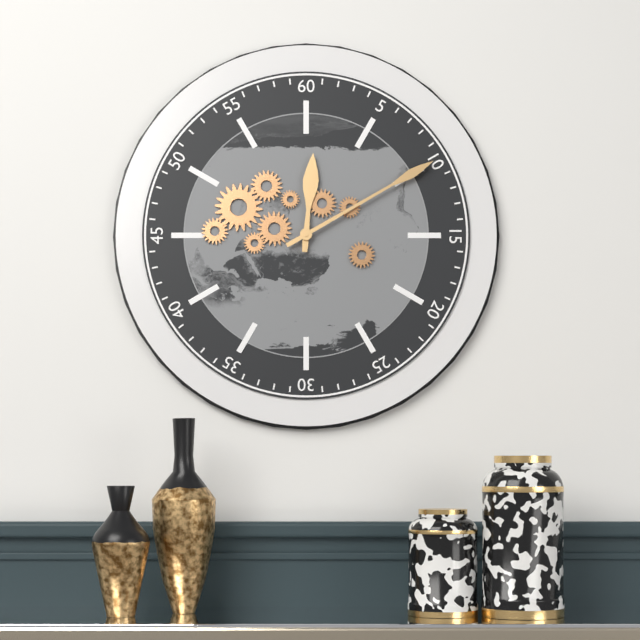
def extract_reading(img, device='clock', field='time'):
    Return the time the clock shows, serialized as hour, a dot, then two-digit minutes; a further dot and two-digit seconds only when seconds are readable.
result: 12.10
